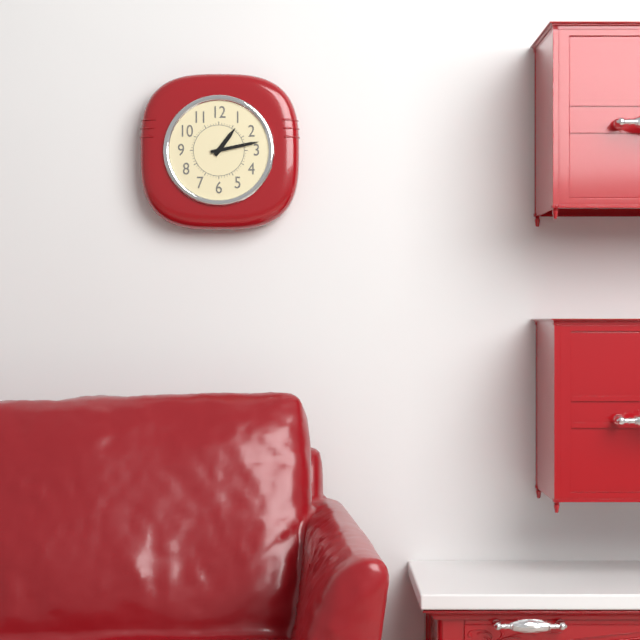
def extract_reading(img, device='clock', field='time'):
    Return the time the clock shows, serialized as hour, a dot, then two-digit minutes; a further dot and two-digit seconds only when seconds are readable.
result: 1.13
